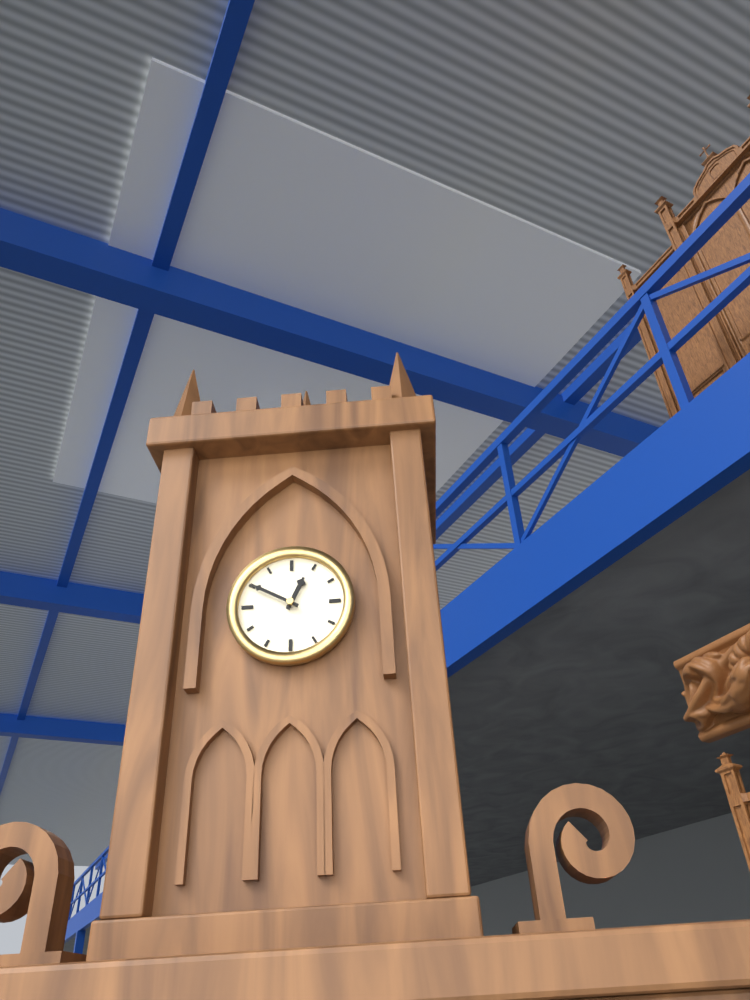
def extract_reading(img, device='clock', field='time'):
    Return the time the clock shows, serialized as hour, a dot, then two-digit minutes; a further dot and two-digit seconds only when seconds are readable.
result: 12.50
